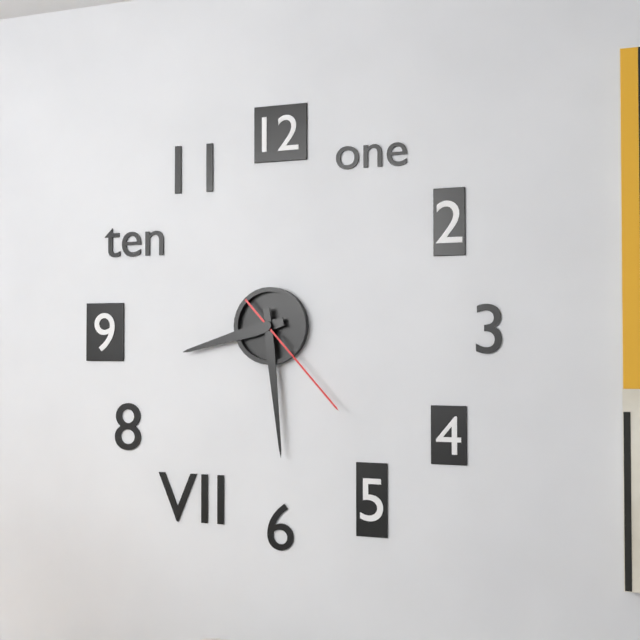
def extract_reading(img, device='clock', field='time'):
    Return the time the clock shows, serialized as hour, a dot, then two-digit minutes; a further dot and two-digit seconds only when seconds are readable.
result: 8.29.23
